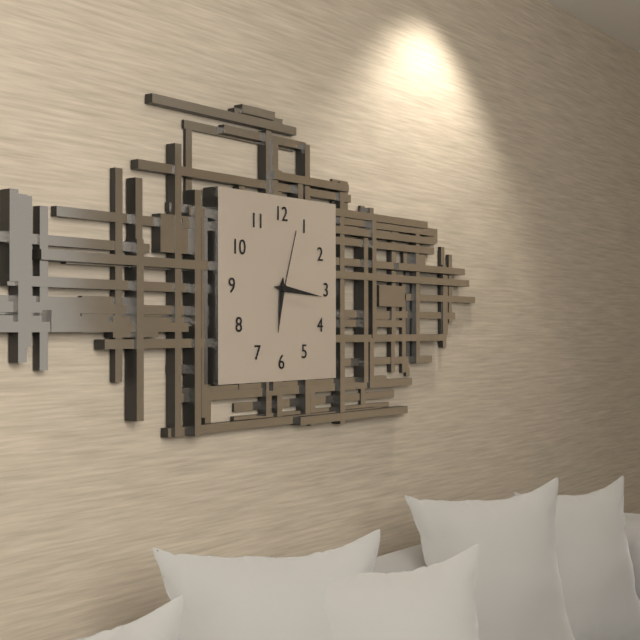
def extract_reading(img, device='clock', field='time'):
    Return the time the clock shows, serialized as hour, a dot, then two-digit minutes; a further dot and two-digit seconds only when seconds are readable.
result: 6.16.03
